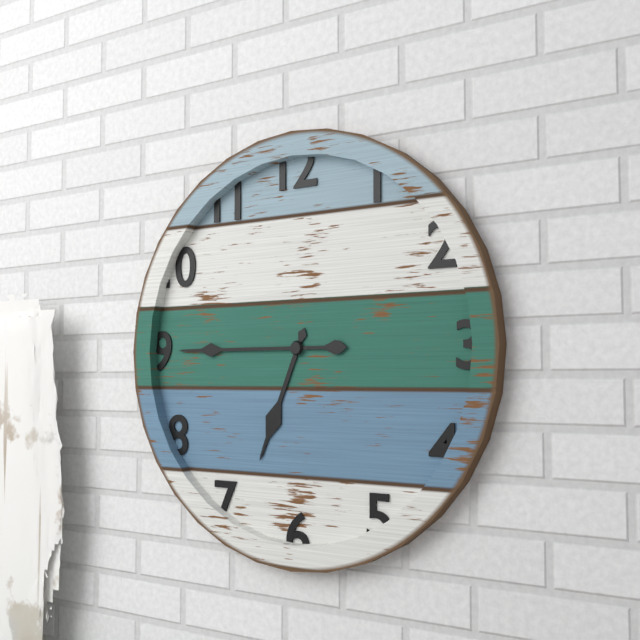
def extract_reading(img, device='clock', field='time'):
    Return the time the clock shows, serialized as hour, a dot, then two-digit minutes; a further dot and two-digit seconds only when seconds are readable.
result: 6.45
